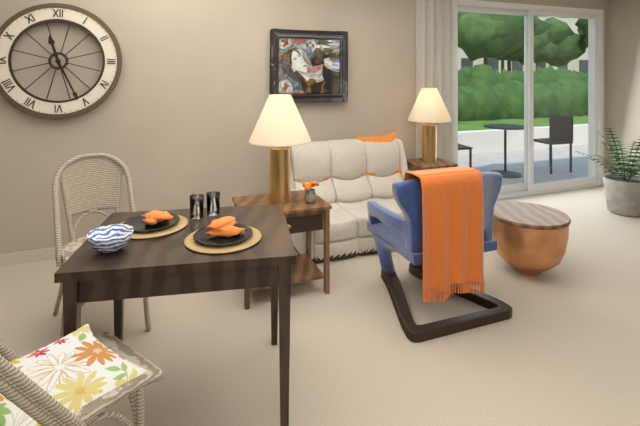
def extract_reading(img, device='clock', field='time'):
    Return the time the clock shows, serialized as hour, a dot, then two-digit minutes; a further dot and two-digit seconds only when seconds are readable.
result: 11.26
